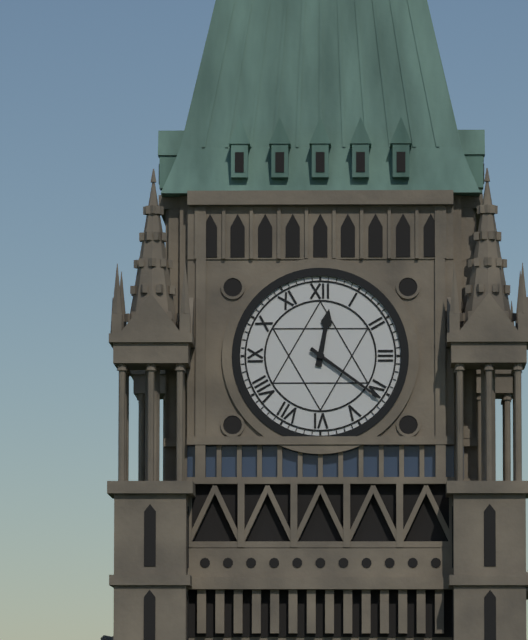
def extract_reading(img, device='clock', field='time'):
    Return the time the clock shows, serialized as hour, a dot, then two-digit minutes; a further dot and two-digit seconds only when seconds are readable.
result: 12.21
